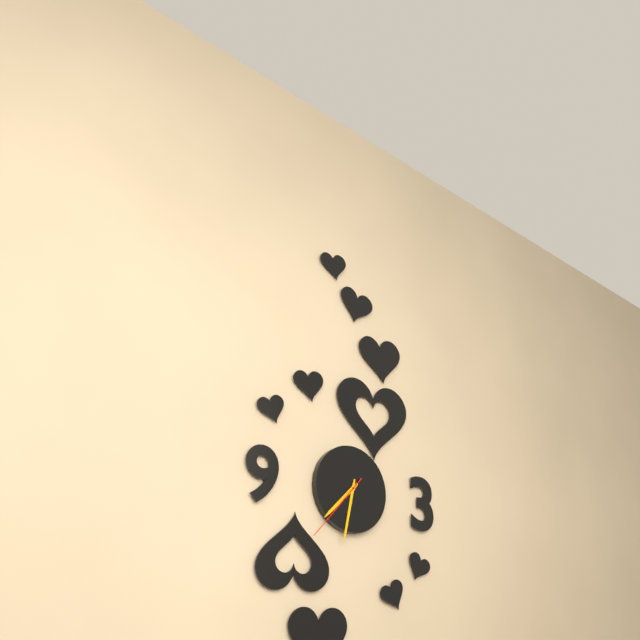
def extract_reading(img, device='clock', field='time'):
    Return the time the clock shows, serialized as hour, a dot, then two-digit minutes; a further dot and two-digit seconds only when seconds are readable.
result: 7.32.37
